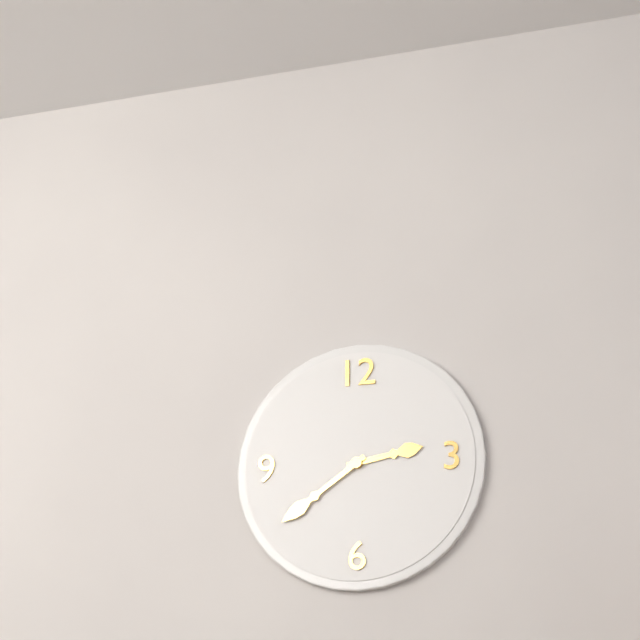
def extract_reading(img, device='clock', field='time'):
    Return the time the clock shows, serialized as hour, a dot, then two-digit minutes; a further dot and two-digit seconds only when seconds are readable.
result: 2.39
